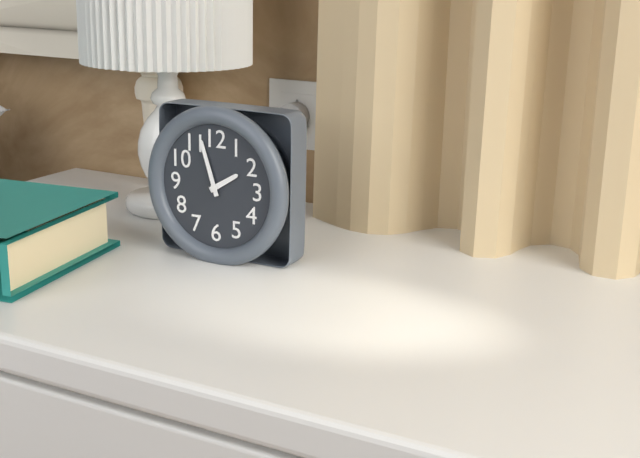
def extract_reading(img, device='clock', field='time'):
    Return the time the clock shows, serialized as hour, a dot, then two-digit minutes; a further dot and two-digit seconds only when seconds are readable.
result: 1.57
